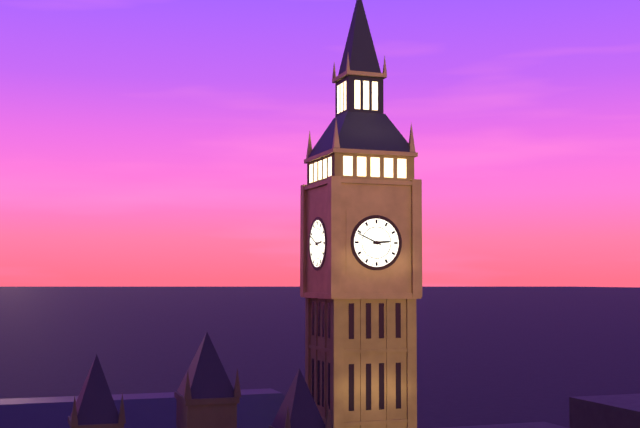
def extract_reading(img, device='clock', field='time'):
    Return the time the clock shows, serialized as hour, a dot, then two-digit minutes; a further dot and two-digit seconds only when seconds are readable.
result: 2.49
